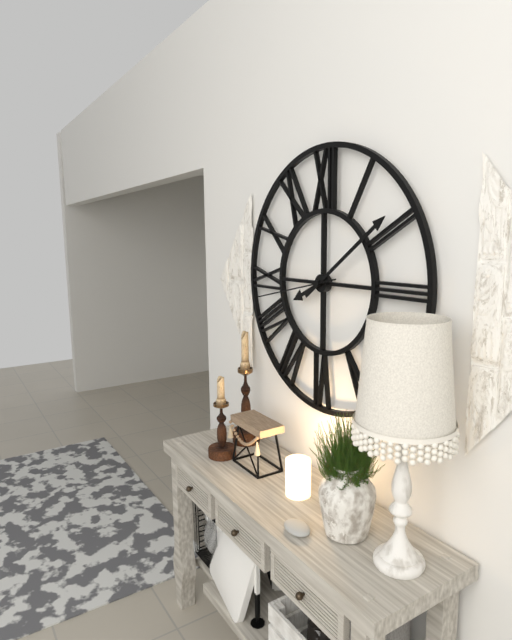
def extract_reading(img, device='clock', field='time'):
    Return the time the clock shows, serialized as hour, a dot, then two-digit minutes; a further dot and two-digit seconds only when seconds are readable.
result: 8.09.43
